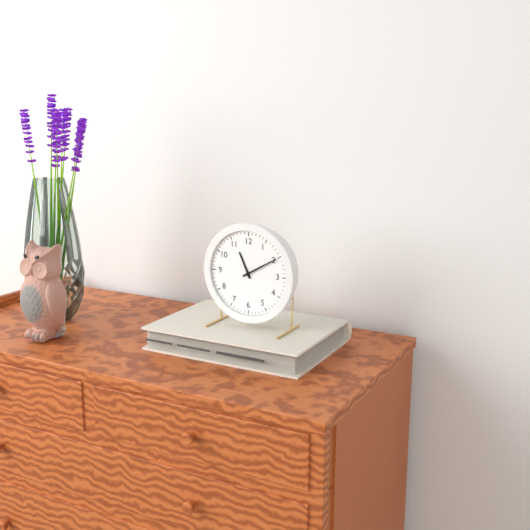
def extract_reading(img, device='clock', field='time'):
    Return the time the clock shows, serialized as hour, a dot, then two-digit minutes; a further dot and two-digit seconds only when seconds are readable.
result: 11.10
